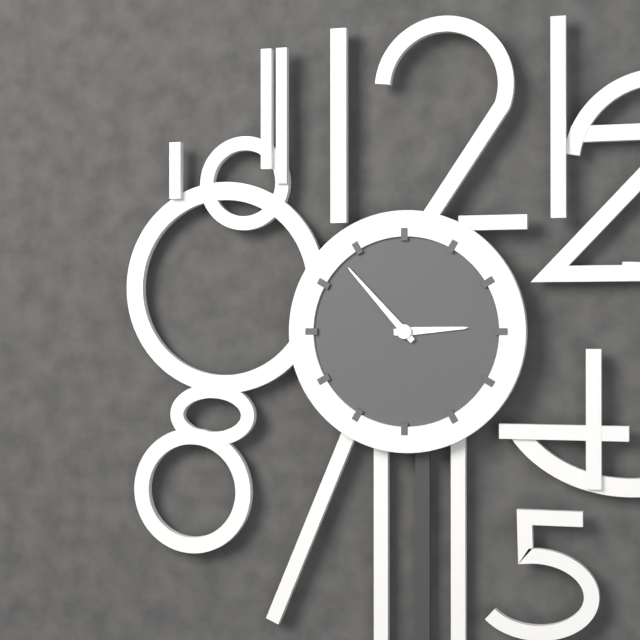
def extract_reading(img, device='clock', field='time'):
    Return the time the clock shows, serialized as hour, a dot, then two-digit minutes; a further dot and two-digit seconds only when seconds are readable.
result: 2.53
